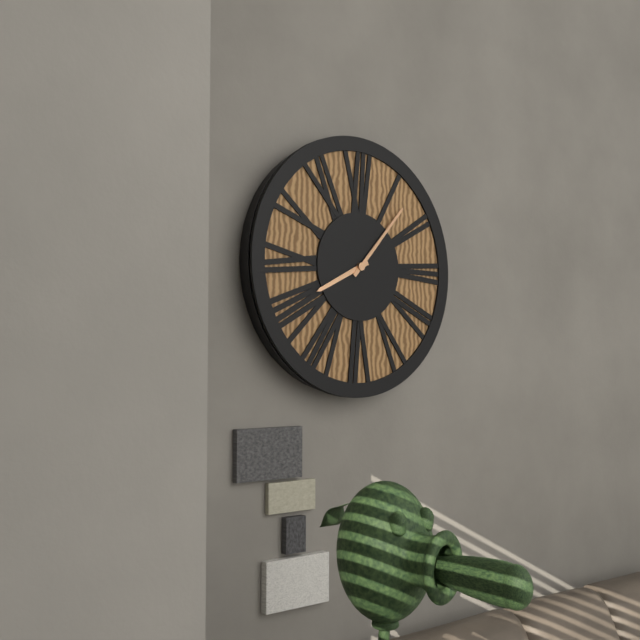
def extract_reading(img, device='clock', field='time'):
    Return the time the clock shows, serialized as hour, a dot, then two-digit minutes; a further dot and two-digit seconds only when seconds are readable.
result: 8.07
